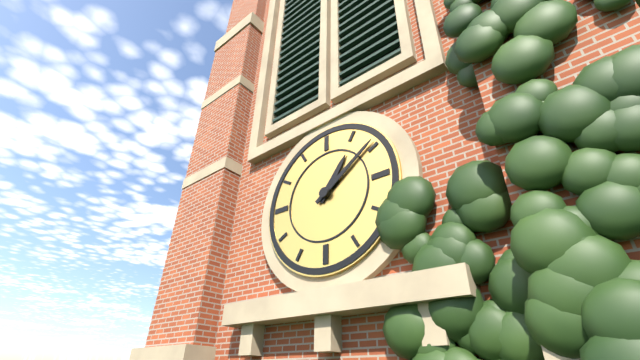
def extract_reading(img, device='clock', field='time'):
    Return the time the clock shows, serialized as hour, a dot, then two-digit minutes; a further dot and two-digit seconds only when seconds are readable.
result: 1.09
